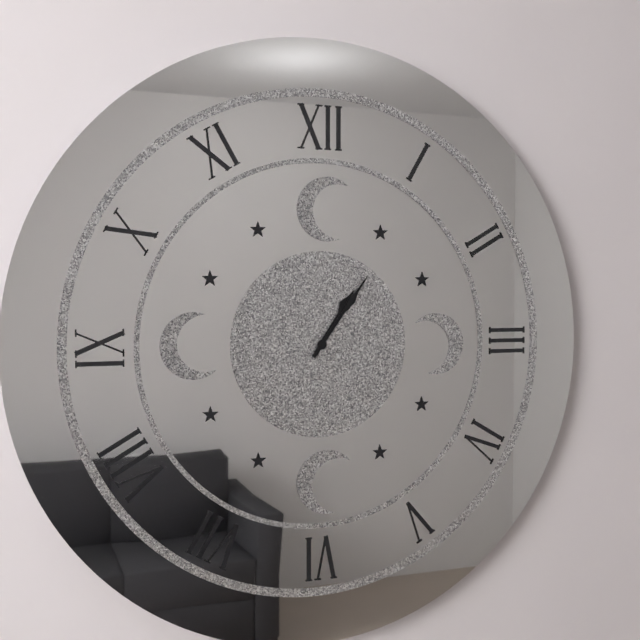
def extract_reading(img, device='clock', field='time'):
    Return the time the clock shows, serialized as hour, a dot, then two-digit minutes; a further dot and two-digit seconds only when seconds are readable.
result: 1.06
